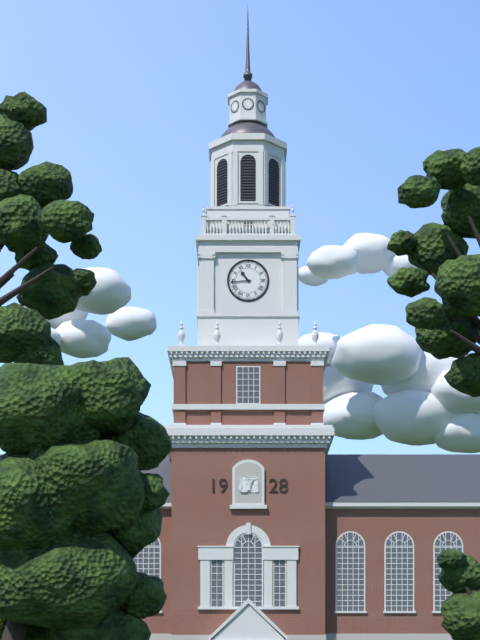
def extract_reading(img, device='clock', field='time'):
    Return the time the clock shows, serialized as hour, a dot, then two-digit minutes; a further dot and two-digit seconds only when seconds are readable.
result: 10.44
